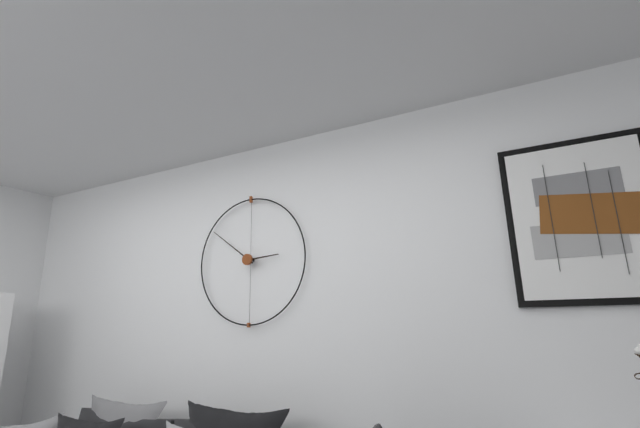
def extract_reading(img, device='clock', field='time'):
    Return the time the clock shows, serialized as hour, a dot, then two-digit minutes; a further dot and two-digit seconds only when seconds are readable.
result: 2.51
